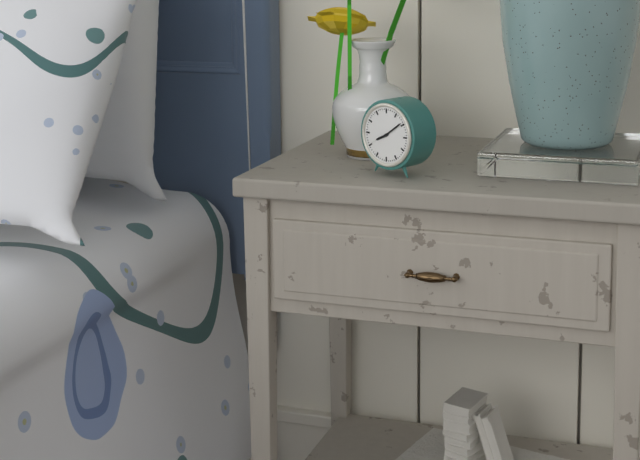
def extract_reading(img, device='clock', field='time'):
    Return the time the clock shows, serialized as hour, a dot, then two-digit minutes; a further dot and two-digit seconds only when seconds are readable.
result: 8.09
